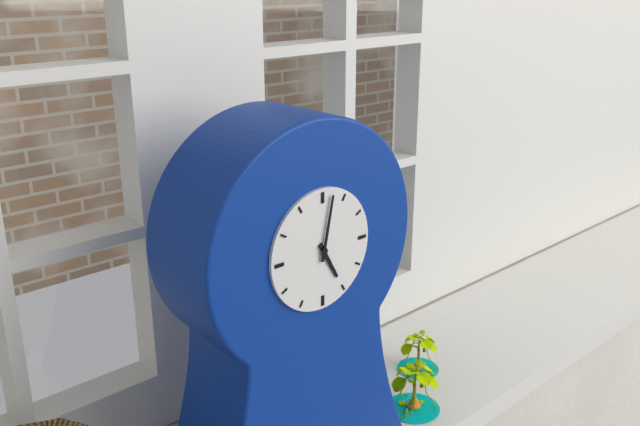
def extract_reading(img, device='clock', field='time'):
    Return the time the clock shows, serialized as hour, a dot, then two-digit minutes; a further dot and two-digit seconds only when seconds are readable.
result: 5.02
